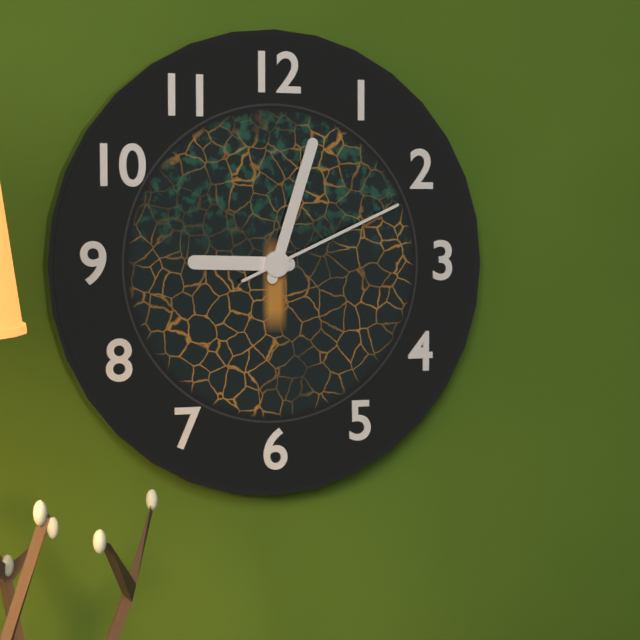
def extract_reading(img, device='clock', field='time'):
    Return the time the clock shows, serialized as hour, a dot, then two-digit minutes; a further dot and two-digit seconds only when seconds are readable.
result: 9.03.11
